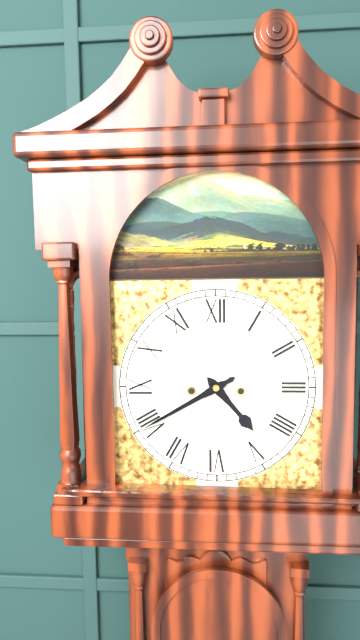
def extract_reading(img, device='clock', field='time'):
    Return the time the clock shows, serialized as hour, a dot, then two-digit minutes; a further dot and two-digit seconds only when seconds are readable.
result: 4.40
